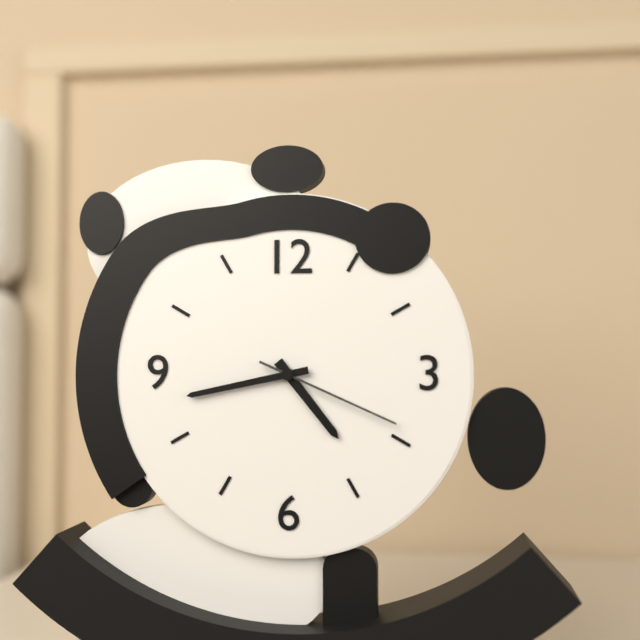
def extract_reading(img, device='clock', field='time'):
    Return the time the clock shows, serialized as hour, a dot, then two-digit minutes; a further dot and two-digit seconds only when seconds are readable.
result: 4.43.19
